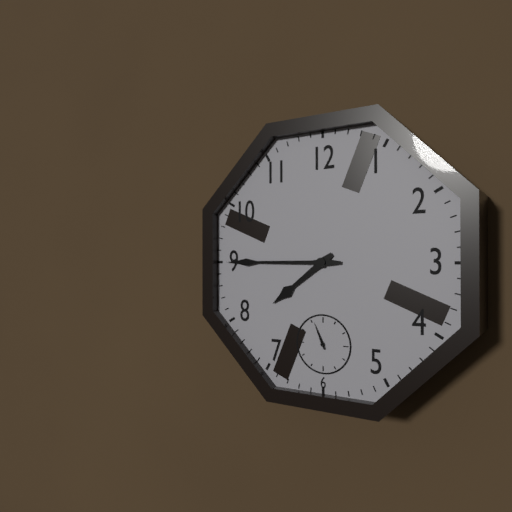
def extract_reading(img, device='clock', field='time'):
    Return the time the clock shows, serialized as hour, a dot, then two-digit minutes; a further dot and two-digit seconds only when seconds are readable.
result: 7.45
